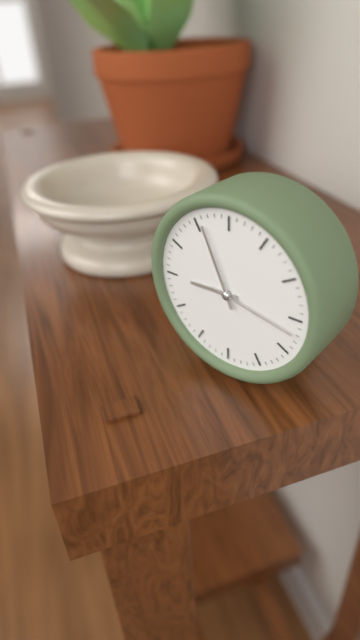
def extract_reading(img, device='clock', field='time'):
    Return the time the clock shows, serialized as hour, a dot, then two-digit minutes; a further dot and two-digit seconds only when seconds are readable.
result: 8.56.17
